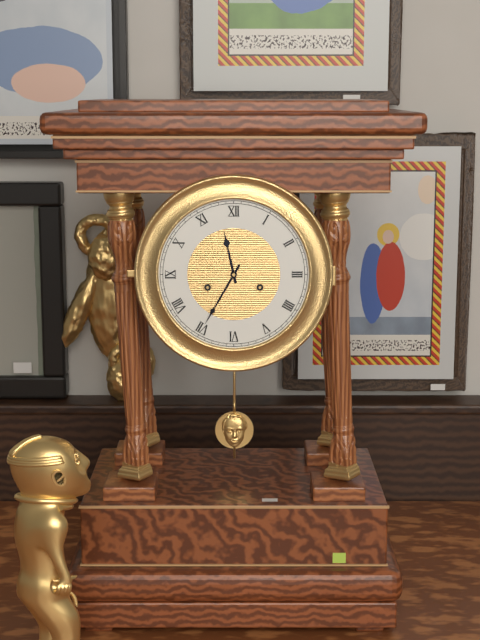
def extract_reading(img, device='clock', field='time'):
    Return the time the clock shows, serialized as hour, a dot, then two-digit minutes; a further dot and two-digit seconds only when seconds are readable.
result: 11.35
